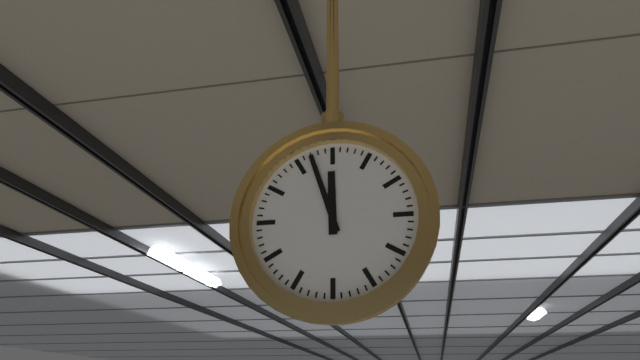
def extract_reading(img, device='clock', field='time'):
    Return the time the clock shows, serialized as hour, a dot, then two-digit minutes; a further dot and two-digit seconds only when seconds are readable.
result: 11.57
